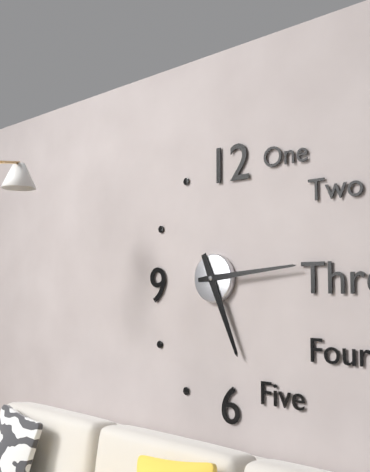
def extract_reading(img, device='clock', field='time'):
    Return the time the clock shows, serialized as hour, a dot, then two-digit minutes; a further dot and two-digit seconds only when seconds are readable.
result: 5.14
